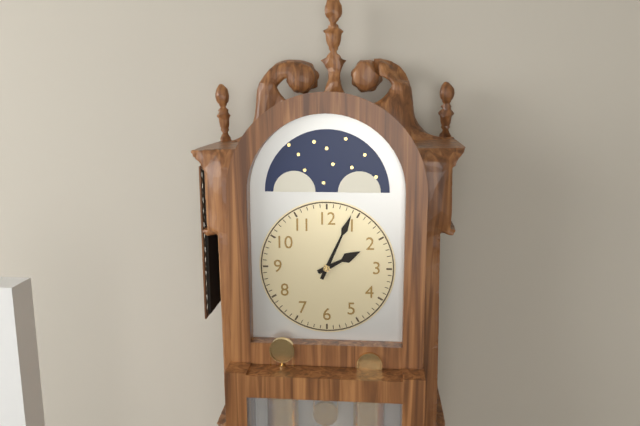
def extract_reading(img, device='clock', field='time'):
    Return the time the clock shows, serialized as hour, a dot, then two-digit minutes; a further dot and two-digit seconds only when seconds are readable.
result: 2.04
